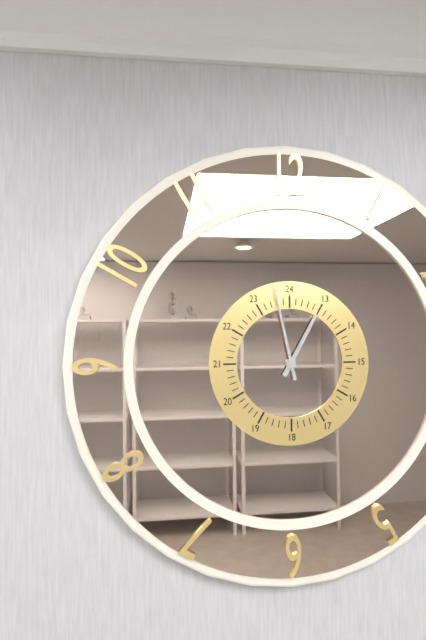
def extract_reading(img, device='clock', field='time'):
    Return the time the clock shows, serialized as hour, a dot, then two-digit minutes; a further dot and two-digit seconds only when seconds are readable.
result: 12.58
